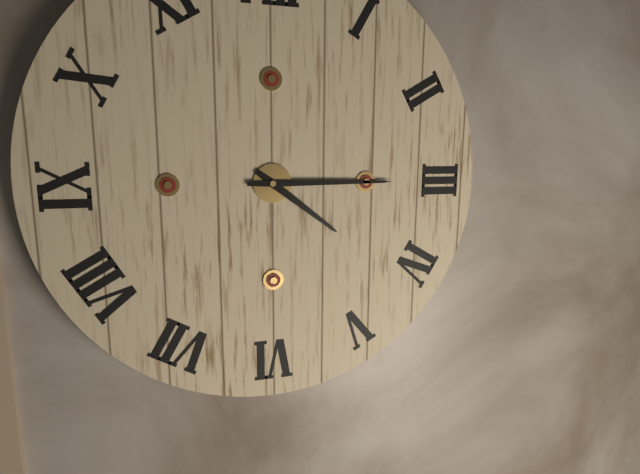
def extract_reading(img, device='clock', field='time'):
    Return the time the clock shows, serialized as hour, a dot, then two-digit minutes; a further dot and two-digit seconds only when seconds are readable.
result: 4.15
